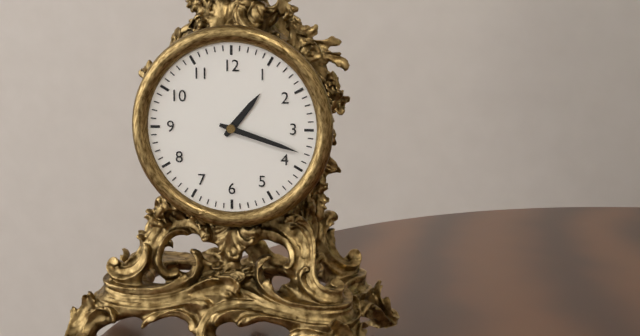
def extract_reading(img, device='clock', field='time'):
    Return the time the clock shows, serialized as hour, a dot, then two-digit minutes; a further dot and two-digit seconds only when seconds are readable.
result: 1.18
